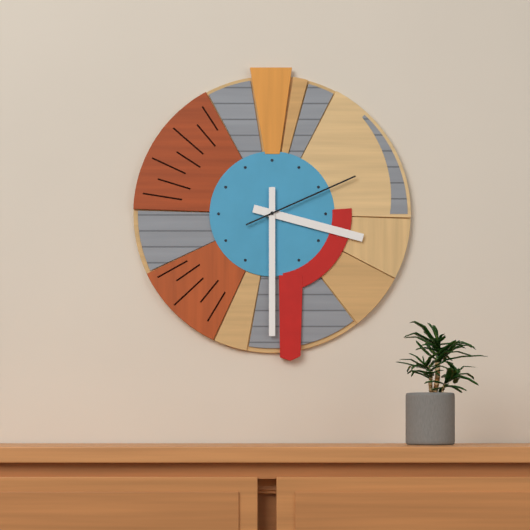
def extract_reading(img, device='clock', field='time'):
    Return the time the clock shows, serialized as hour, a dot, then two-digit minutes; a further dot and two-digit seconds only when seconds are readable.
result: 3.30.11
